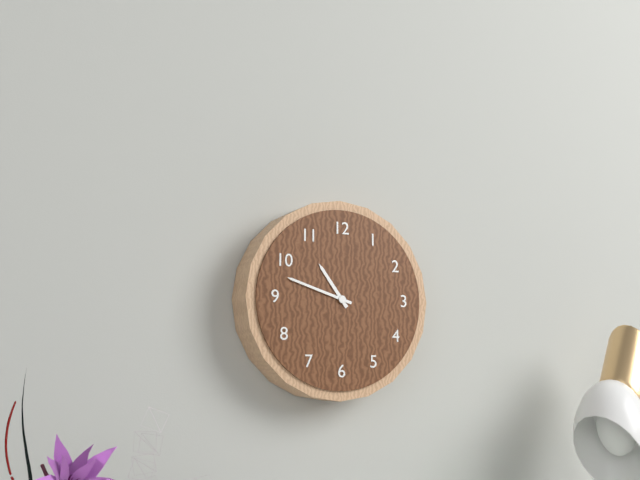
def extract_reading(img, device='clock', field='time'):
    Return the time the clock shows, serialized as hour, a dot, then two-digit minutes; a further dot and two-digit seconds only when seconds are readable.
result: 10.48
